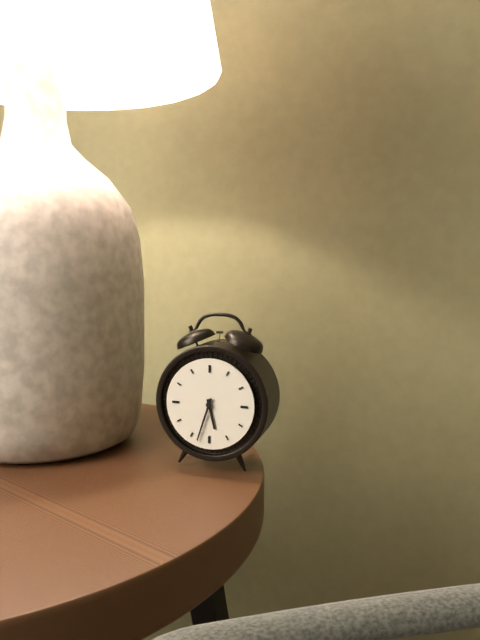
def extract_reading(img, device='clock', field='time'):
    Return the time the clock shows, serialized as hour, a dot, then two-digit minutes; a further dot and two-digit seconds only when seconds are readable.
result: 5.33
